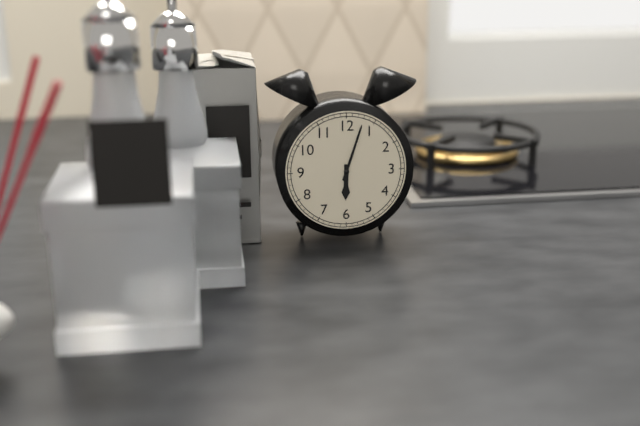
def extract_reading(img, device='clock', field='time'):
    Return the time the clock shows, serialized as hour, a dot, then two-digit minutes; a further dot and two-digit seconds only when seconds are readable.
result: 6.03
